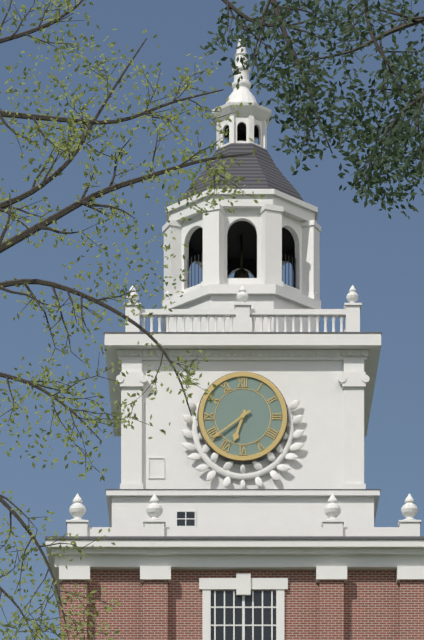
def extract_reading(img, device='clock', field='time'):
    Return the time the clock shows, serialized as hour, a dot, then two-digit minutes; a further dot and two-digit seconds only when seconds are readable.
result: 6.39
